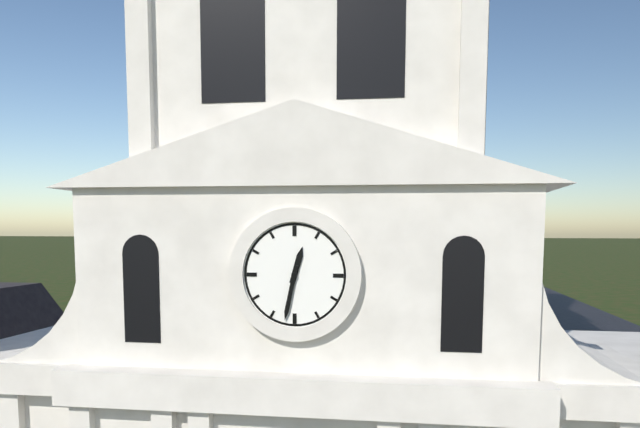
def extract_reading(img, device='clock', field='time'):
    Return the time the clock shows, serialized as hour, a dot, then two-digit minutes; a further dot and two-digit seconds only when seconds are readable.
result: 12.32
